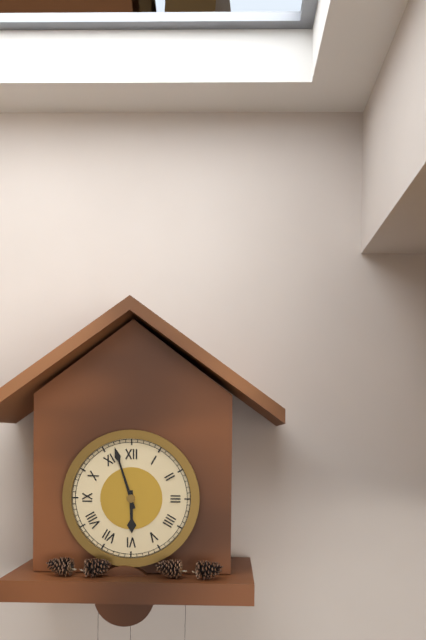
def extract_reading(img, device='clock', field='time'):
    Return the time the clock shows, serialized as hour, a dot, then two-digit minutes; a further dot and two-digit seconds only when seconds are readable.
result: 5.57
